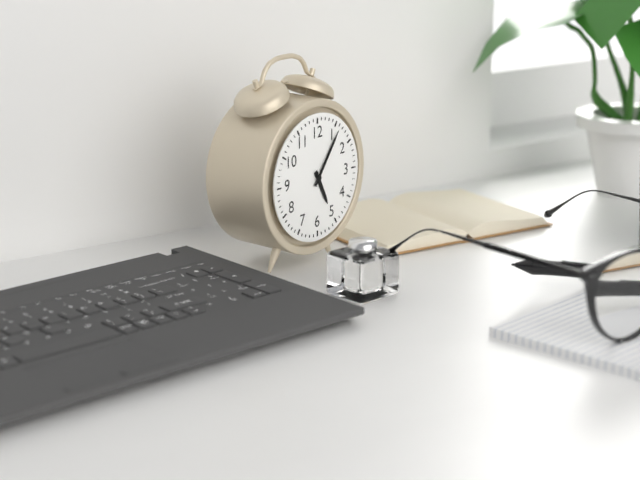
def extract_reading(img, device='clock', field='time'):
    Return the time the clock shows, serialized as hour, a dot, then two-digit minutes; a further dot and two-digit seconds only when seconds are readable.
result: 5.06
